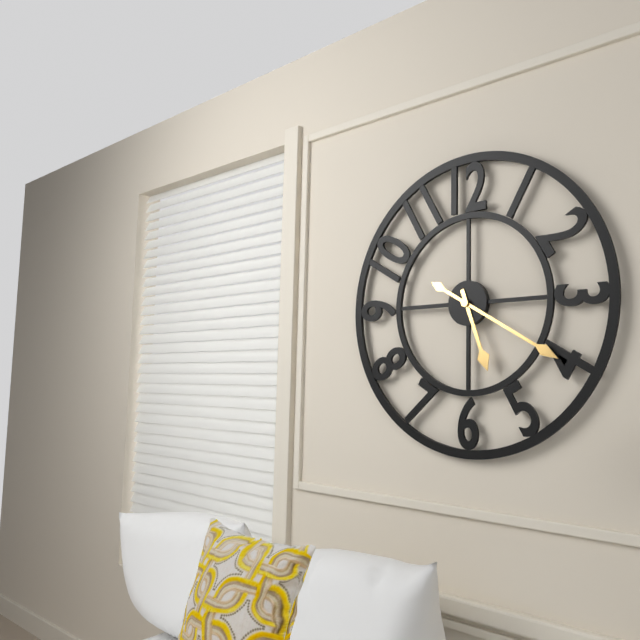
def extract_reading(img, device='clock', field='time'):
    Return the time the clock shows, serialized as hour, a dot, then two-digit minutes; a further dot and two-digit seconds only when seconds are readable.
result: 5.20
